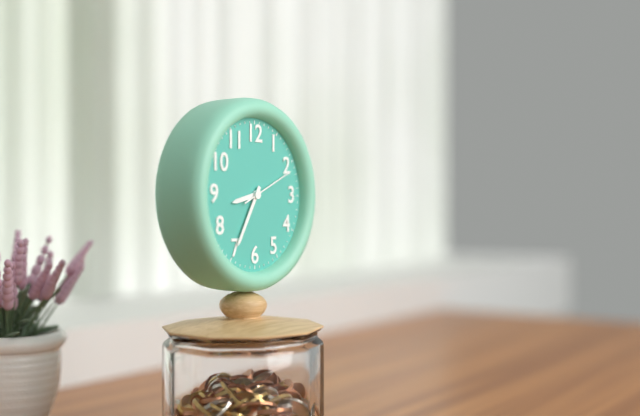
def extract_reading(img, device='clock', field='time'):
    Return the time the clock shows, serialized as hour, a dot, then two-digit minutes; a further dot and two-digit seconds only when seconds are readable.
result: 8.35.11
